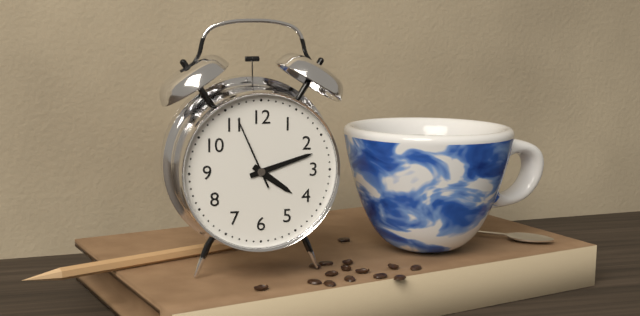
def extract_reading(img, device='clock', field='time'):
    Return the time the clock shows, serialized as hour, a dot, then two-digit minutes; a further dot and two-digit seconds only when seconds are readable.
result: 4.12.56
